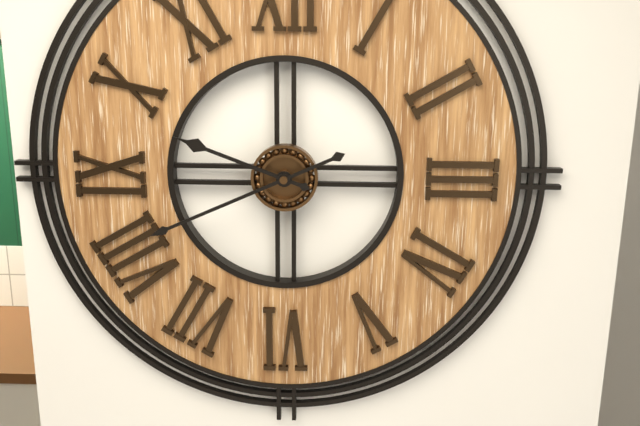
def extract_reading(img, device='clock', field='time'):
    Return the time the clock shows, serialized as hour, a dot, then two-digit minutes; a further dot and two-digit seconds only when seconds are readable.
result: 9.41
